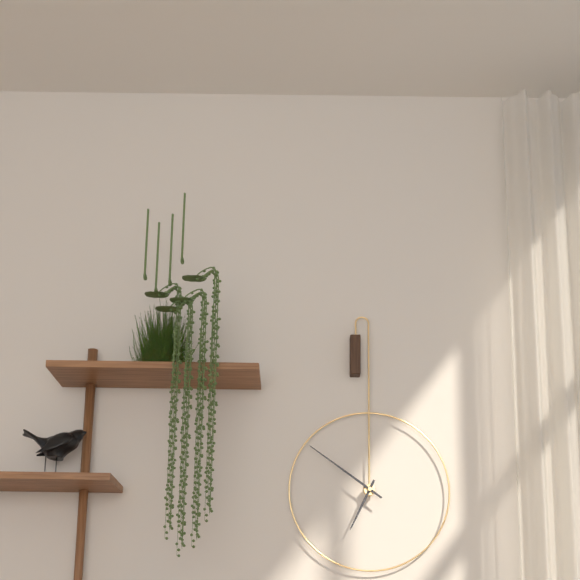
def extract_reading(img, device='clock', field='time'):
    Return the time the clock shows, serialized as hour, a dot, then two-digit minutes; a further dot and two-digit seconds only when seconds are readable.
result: 6.51
